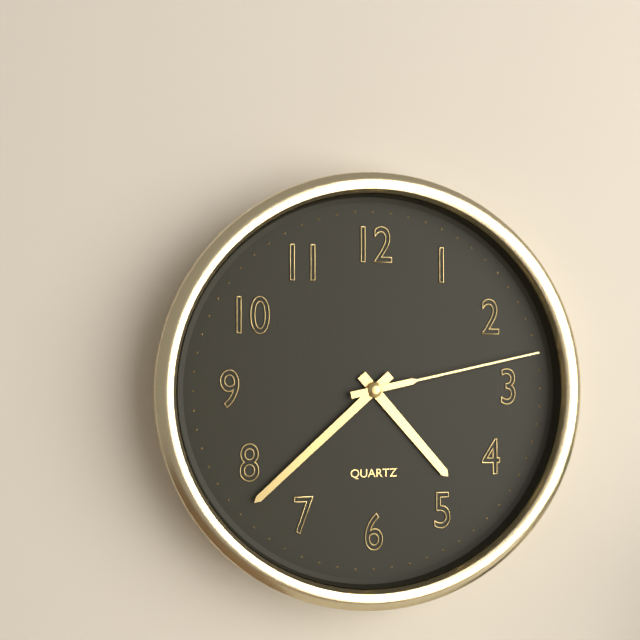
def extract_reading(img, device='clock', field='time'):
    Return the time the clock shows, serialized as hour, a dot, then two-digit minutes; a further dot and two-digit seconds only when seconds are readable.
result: 4.38.13
